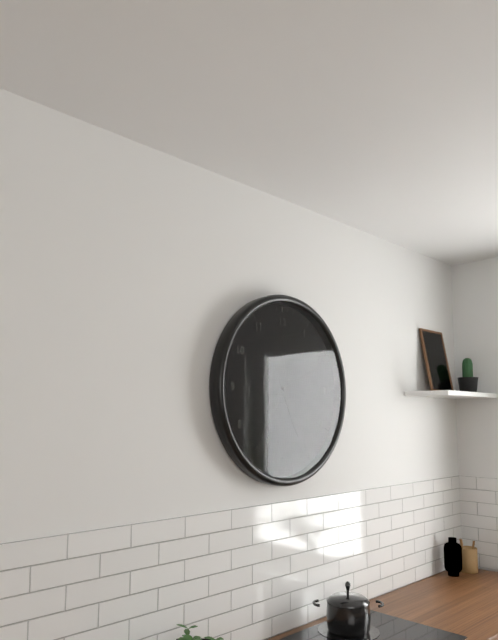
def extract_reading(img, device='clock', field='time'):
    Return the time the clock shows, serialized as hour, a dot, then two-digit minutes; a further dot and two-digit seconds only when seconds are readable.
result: 5.11.36
